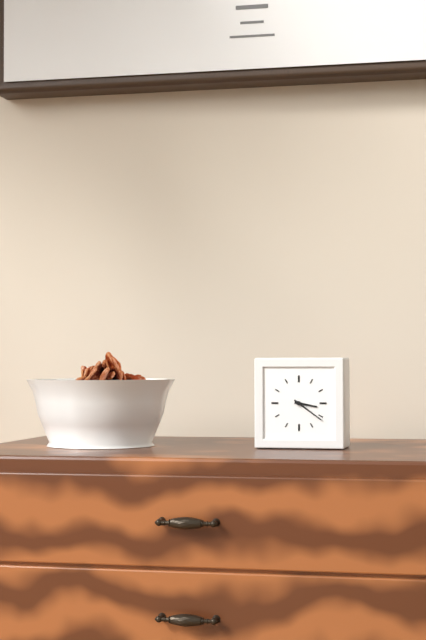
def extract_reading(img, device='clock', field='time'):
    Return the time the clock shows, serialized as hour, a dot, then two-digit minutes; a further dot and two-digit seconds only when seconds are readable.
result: 3.21
